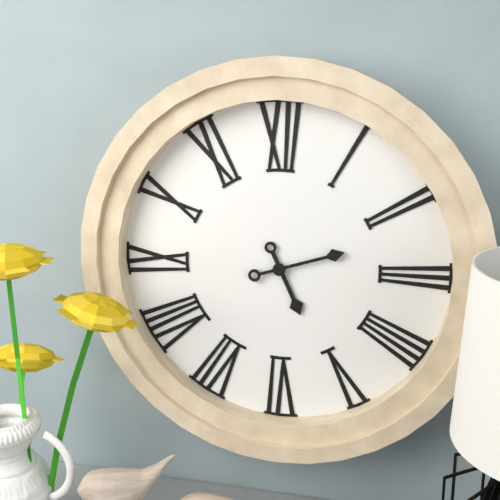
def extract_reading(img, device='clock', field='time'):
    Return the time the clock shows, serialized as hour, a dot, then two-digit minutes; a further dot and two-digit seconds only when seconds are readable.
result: 5.12
